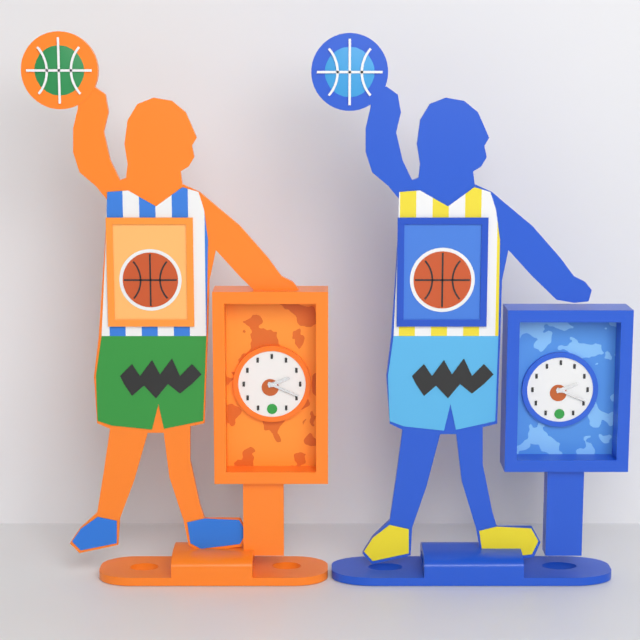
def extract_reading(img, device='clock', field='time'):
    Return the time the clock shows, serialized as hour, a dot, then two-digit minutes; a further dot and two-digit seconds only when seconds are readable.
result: 2.19
